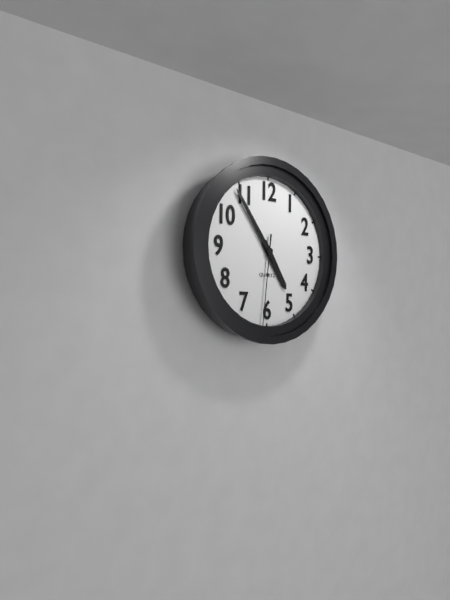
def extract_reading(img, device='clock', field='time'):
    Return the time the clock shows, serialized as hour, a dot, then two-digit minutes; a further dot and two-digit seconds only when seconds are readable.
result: 4.54.31
